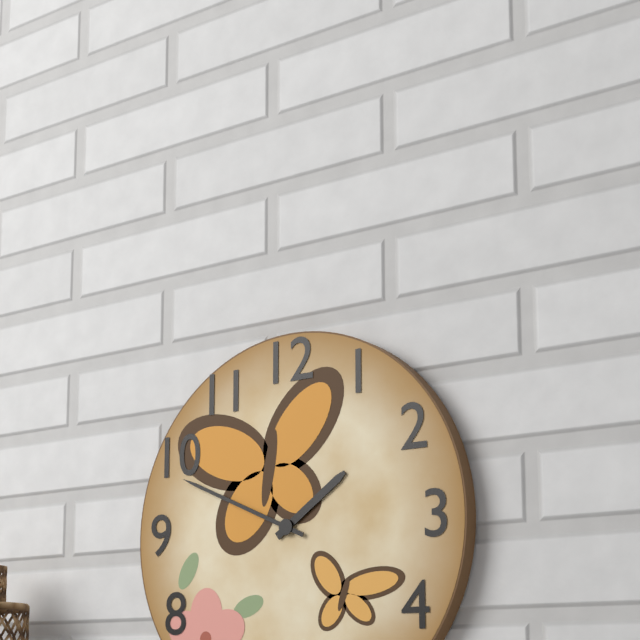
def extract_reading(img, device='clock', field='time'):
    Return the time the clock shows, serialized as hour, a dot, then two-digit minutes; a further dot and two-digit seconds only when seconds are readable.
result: 1.49
